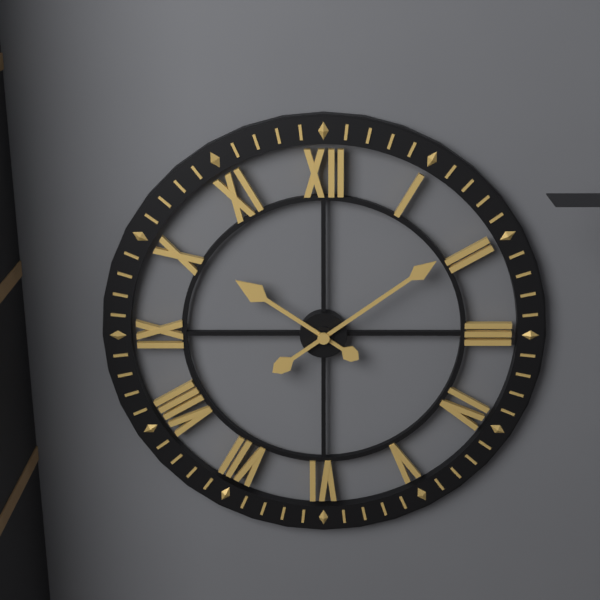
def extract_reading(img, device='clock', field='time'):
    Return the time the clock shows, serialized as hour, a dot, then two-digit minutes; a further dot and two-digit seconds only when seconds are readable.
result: 10.09
